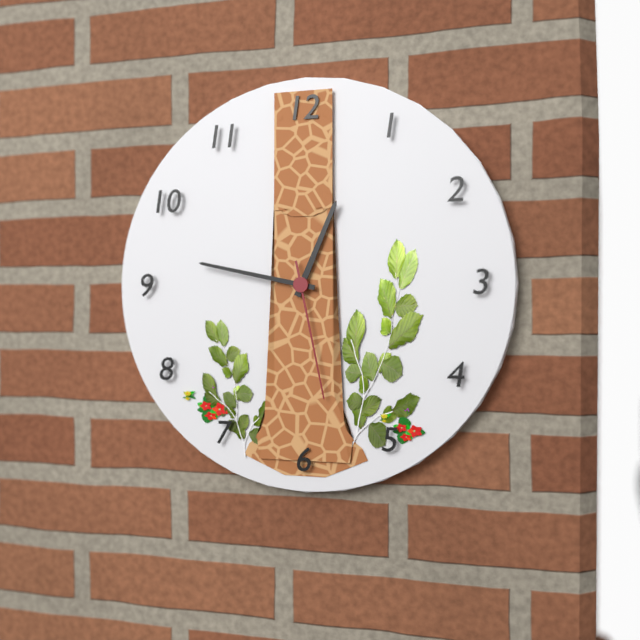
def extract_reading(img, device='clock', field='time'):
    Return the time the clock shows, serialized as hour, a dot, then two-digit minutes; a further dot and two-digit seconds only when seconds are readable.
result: 12.47.28
